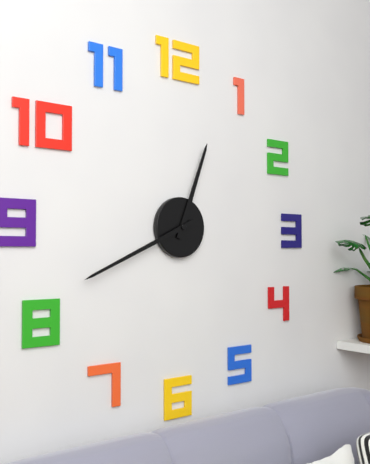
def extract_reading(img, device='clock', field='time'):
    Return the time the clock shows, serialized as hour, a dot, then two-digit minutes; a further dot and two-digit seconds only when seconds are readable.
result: 12.41
